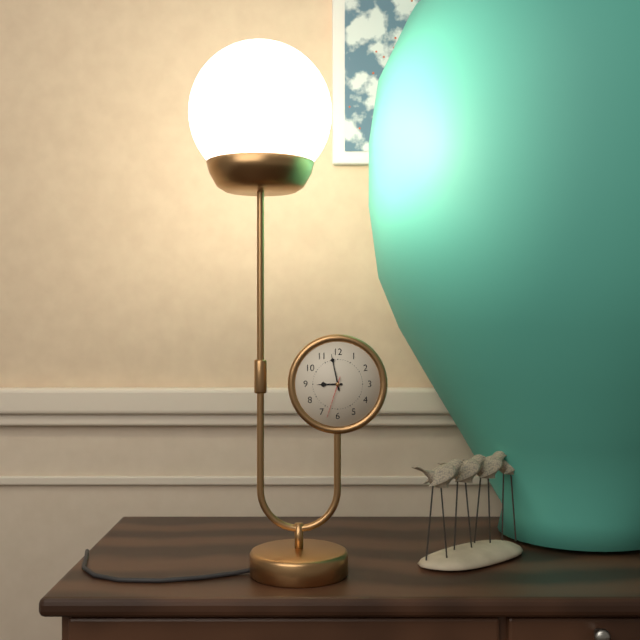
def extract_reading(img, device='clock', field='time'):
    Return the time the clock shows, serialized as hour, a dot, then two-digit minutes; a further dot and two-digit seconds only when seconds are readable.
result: 8.58
